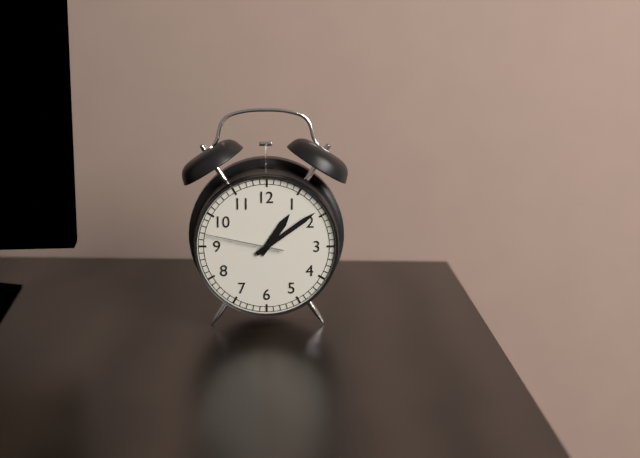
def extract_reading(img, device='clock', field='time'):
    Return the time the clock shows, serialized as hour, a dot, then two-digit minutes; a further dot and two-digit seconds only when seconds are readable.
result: 1.09.47
